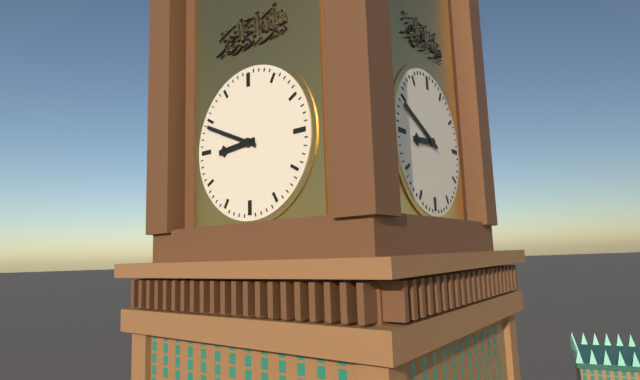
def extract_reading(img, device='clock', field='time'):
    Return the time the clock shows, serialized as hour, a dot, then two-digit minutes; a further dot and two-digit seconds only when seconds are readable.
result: 8.49
